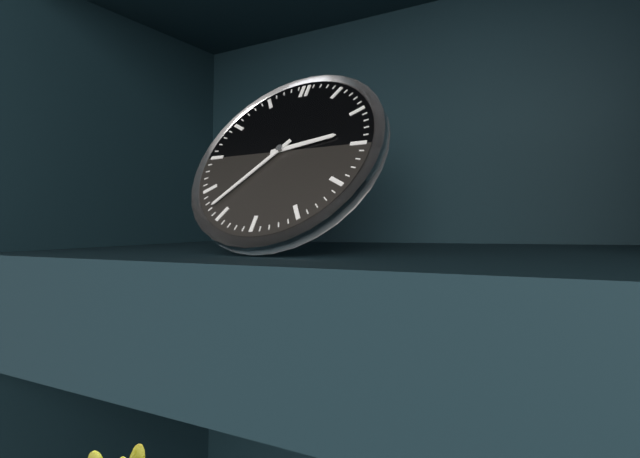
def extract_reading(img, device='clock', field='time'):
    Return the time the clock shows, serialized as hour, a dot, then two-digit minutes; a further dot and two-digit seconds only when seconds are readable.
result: 2.37
